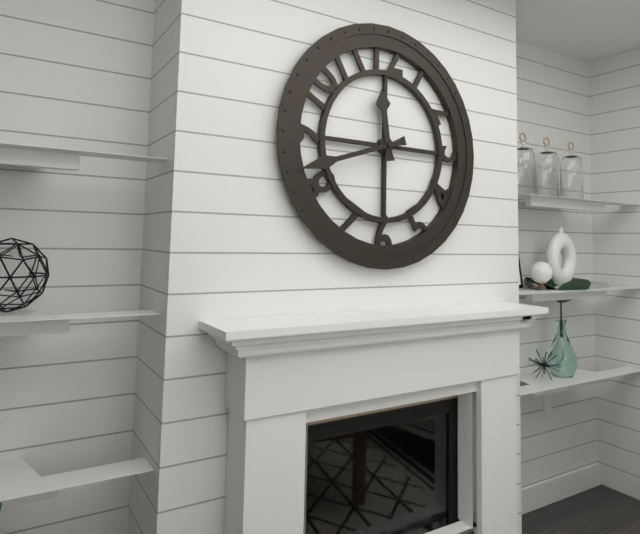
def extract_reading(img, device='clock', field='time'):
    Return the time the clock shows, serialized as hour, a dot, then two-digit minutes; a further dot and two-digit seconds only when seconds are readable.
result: 11.42
